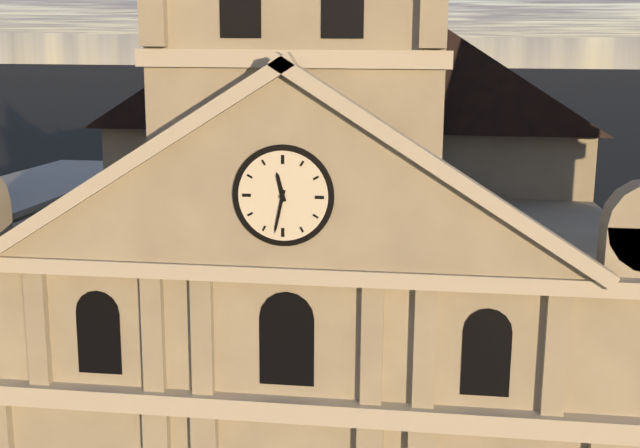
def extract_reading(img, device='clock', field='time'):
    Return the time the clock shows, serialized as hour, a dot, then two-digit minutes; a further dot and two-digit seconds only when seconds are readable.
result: 11.32
